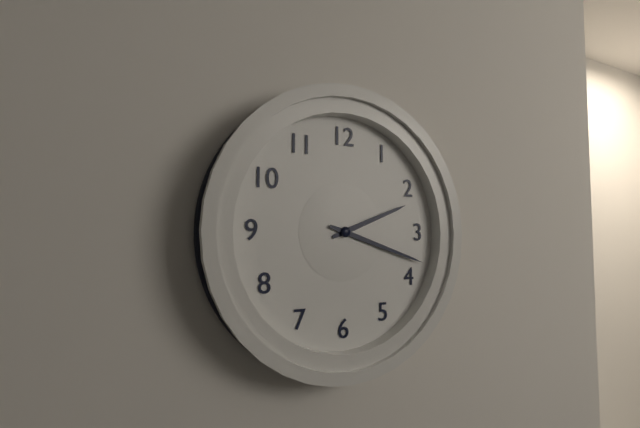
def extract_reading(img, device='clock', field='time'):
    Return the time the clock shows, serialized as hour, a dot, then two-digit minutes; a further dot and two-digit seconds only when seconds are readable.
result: 2.18
